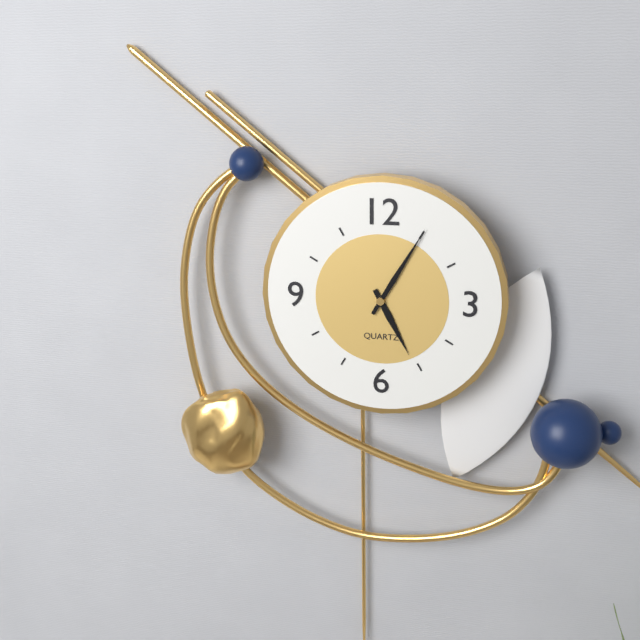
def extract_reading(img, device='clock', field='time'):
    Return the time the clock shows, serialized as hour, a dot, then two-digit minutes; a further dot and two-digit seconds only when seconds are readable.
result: 5.05
